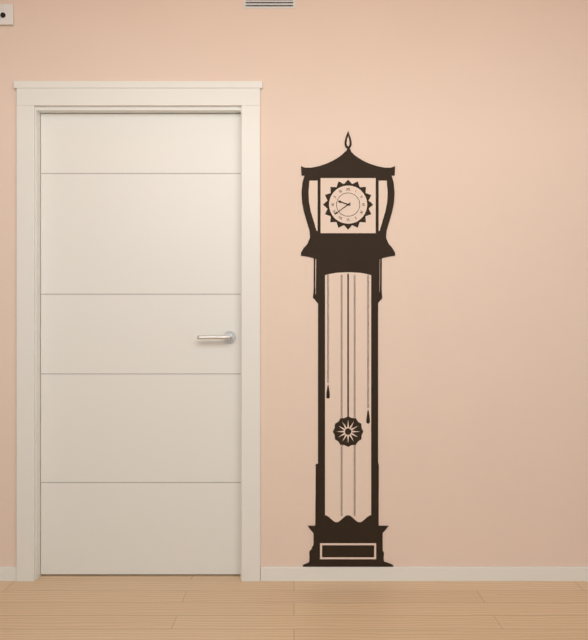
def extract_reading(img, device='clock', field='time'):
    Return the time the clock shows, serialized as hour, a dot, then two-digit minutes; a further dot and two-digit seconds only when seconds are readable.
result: 9.39
